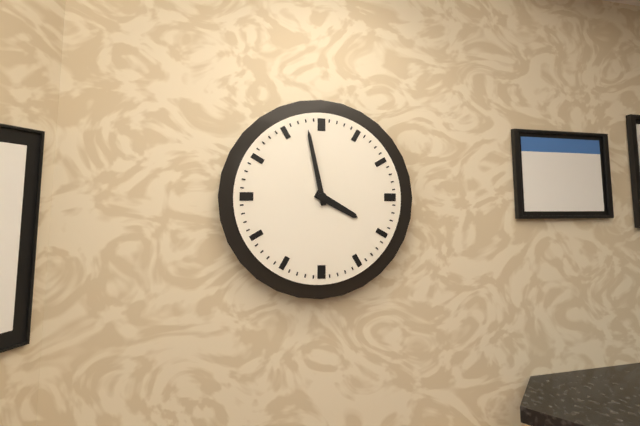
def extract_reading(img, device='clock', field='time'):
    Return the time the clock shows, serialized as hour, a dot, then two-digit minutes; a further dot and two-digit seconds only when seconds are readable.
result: 3.58
